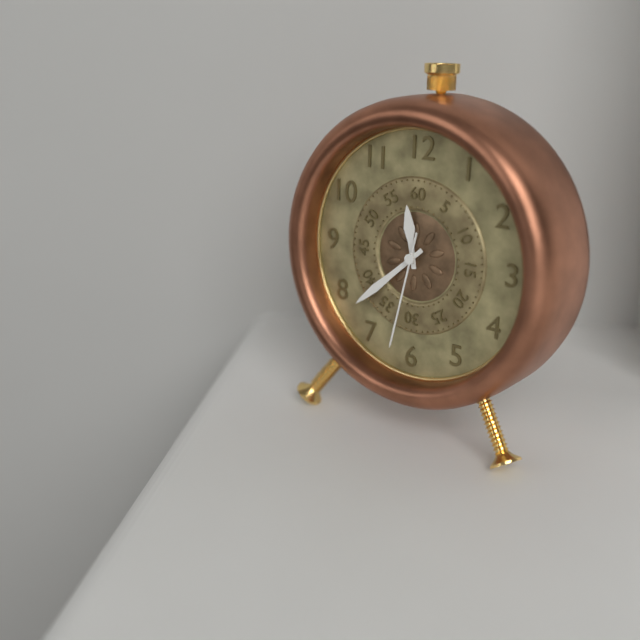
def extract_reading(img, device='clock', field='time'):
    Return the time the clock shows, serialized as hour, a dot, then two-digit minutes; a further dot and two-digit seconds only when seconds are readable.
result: 11.38.32
